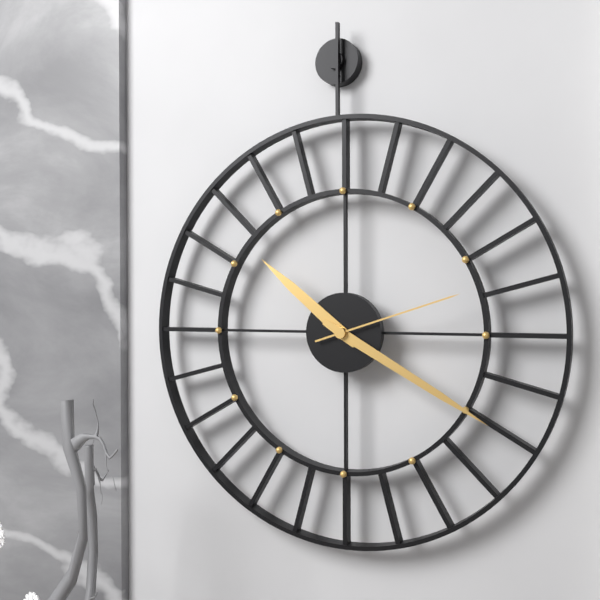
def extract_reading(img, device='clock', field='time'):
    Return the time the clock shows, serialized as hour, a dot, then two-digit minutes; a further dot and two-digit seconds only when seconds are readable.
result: 10.20.12
